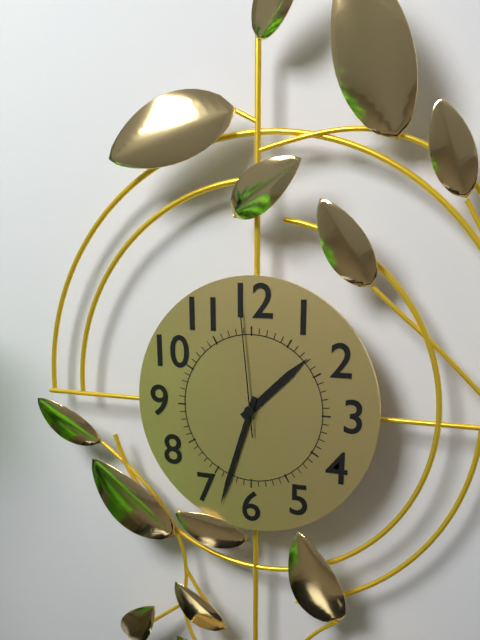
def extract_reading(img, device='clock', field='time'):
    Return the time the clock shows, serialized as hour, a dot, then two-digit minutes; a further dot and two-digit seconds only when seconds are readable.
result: 1.33.59
